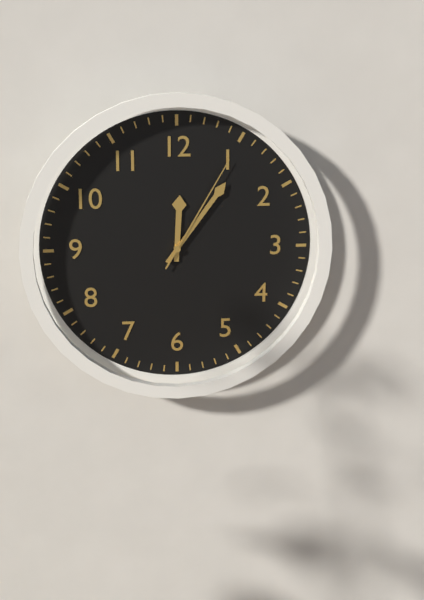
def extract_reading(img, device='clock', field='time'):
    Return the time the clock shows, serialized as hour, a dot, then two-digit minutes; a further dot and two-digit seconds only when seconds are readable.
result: 12.06.05
